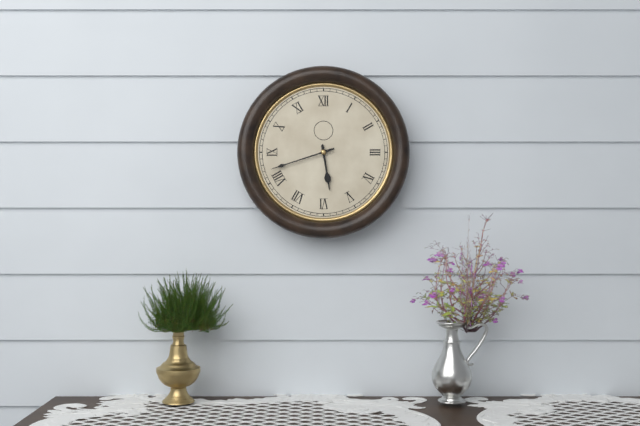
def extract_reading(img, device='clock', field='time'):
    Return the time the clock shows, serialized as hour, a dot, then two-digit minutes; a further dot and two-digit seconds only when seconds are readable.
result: 5.42
